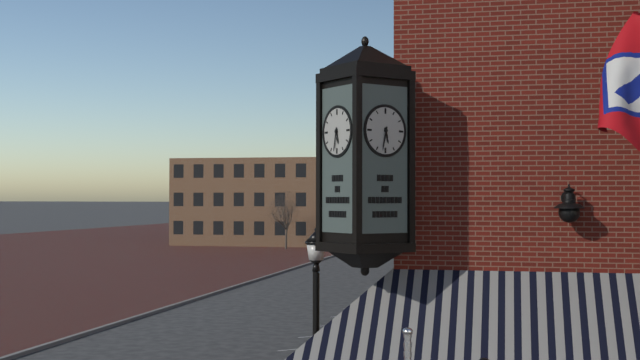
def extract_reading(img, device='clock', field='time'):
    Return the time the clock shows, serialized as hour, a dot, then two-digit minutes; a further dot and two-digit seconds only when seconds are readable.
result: 5.32
